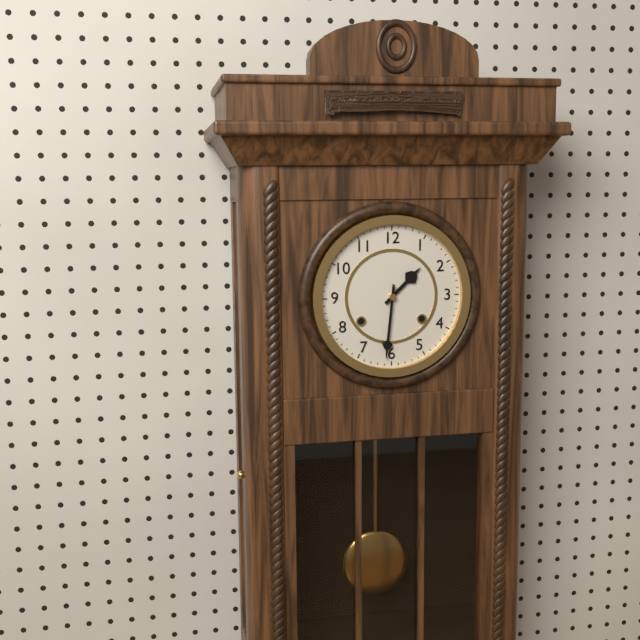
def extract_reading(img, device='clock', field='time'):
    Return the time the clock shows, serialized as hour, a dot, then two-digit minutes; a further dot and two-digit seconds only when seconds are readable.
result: 1.31
